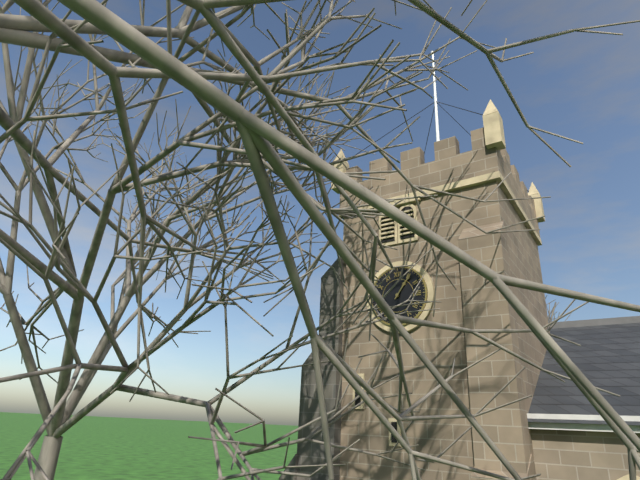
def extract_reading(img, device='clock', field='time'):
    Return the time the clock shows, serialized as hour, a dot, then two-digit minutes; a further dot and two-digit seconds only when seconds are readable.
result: 1.06
